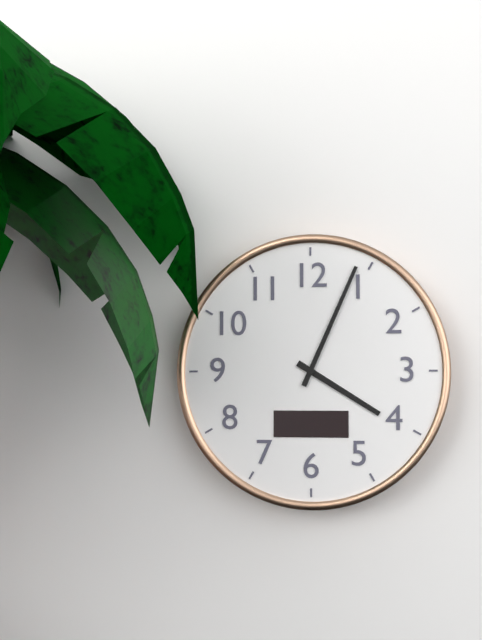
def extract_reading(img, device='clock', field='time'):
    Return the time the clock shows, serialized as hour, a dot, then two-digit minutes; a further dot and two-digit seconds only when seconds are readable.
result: 4.04
